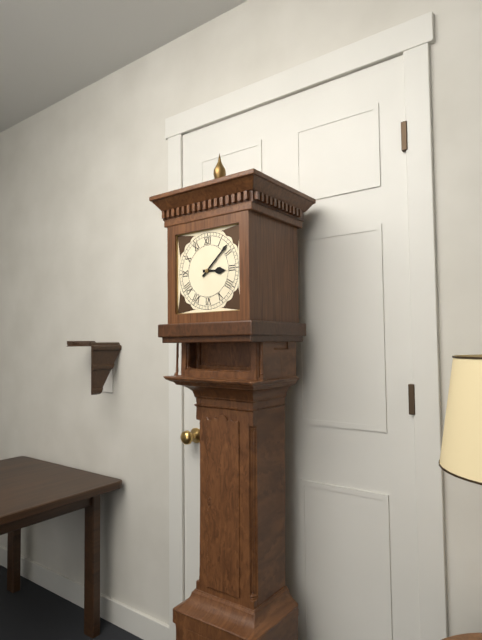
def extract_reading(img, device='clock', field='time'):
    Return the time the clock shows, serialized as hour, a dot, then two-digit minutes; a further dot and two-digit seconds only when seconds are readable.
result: 3.08
